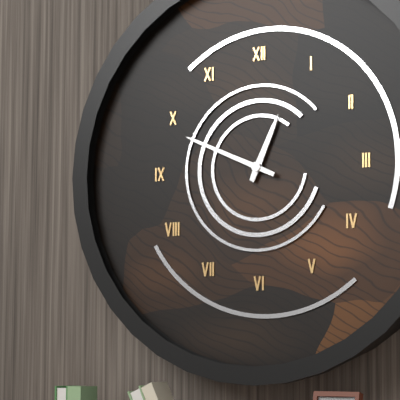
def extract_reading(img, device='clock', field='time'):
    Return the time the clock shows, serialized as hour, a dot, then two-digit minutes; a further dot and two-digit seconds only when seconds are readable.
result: 12.49
